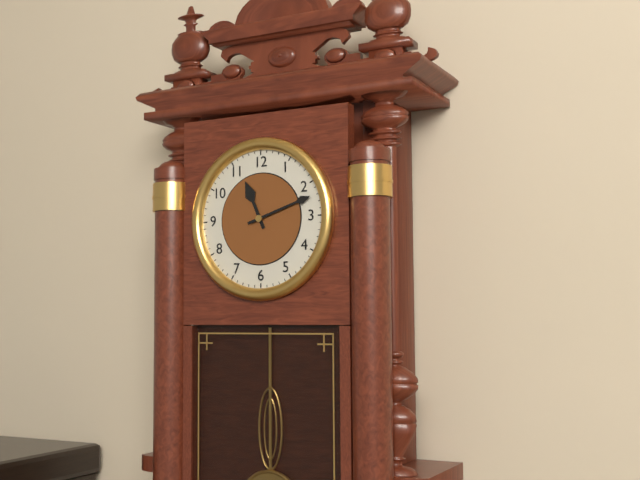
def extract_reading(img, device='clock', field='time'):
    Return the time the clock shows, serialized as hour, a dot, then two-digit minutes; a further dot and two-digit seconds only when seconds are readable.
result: 11.12
